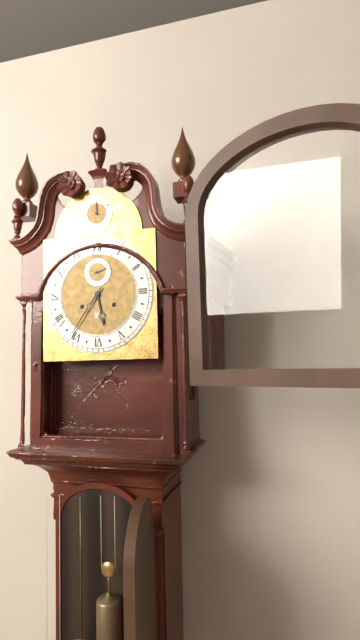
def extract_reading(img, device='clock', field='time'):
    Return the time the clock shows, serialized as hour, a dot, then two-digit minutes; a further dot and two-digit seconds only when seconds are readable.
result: 5.36
